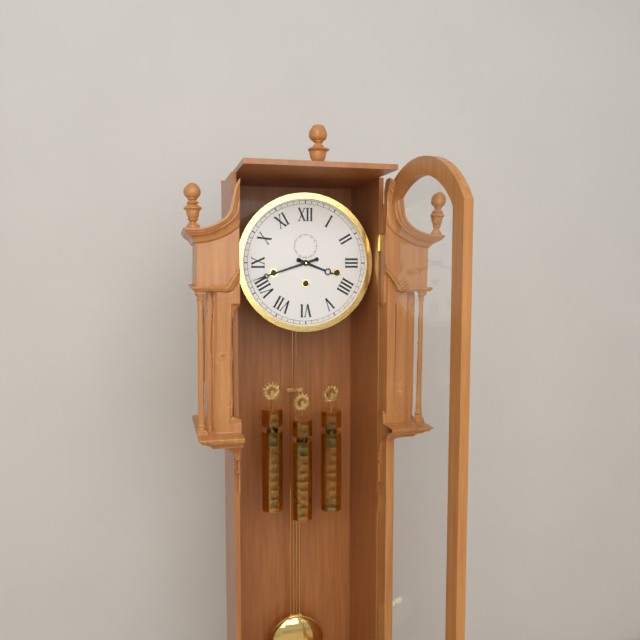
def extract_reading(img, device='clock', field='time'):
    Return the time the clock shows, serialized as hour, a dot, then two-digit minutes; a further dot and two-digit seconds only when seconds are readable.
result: 3.42
